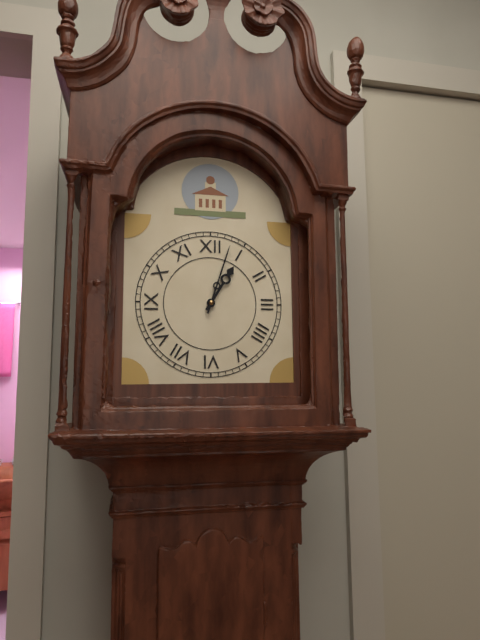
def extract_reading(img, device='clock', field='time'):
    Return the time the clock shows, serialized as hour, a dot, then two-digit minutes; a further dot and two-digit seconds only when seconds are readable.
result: 1.03
